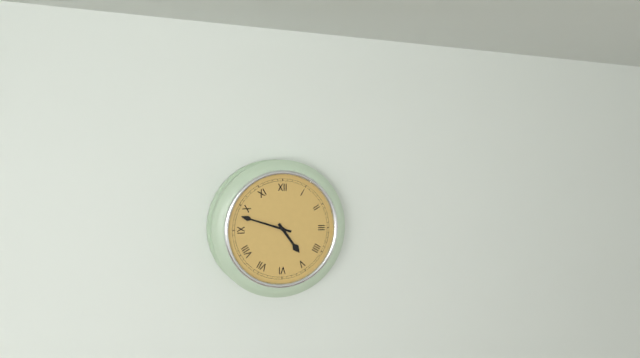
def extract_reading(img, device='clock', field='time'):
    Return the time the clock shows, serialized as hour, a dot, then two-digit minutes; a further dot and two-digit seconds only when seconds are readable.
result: 4.48
